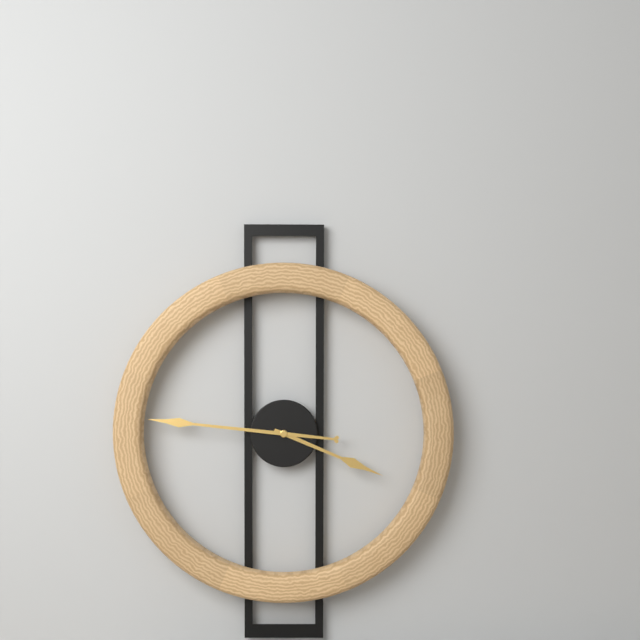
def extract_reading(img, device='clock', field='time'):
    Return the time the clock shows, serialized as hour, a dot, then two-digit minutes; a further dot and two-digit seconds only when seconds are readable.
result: 3.46
